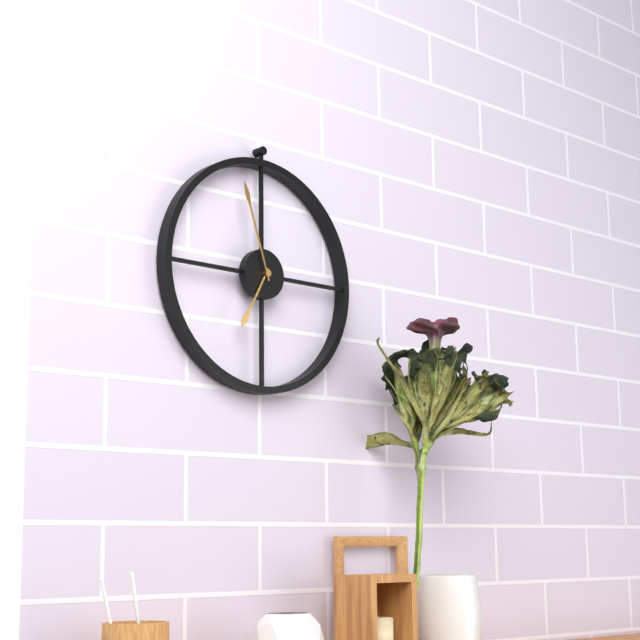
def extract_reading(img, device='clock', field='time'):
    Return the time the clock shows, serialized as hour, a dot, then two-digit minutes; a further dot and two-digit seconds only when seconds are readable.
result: 6.57
